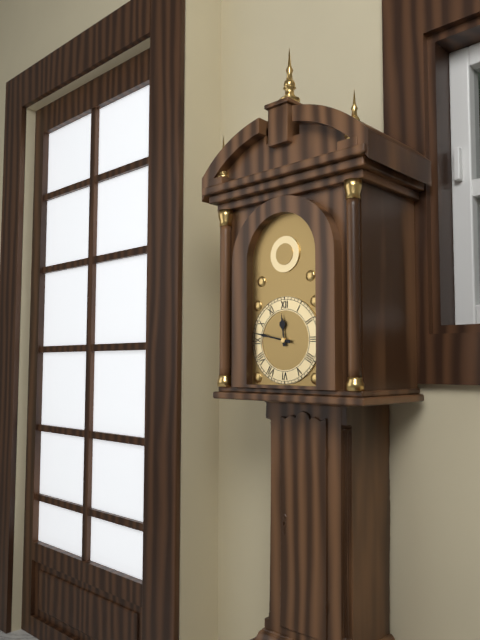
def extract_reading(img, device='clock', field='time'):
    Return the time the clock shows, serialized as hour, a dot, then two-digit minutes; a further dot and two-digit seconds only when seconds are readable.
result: 11.47
